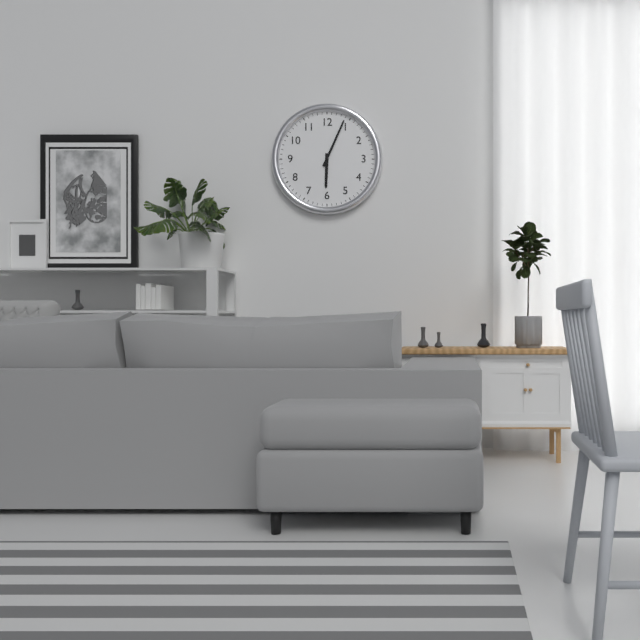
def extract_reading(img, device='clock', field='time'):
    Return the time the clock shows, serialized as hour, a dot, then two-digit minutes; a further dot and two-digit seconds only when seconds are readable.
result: 6.04
